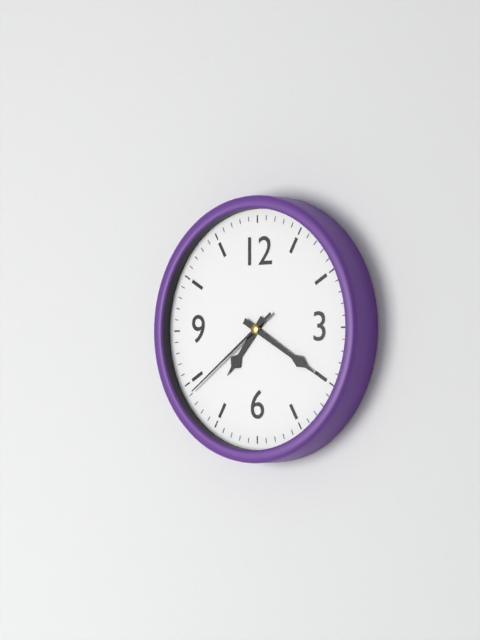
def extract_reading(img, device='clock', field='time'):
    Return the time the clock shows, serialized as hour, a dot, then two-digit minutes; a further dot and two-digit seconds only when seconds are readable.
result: 7.20.39
